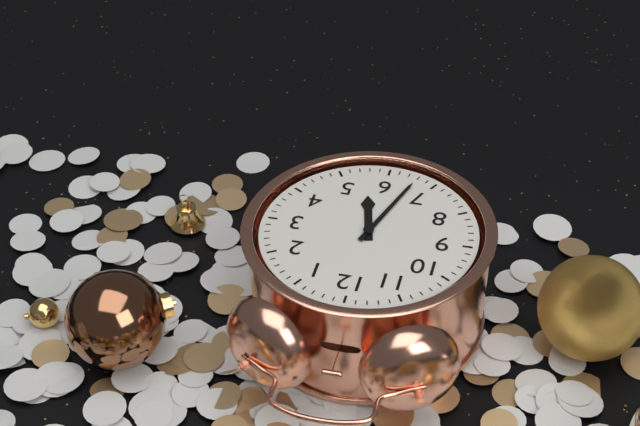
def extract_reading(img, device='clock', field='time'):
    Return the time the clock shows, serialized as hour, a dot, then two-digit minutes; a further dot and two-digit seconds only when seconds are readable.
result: 5.33
